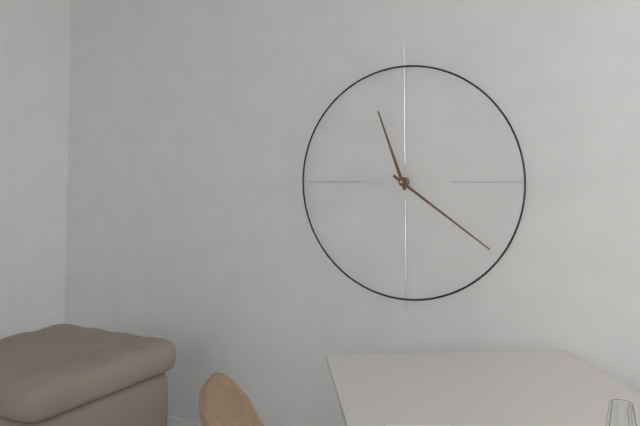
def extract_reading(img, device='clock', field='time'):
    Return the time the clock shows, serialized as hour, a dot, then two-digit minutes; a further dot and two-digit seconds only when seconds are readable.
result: 11.21
